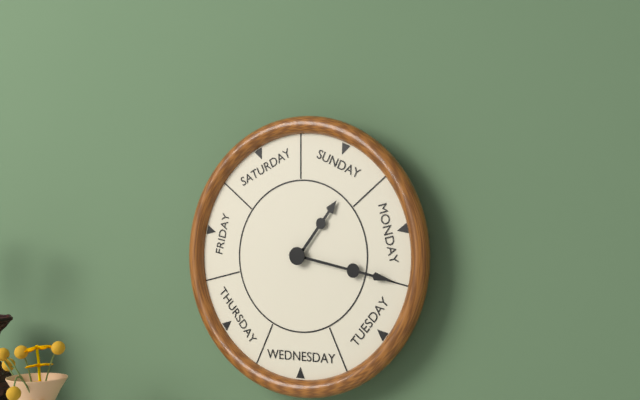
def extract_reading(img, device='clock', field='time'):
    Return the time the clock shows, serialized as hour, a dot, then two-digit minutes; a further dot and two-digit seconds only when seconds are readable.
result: 1.17
